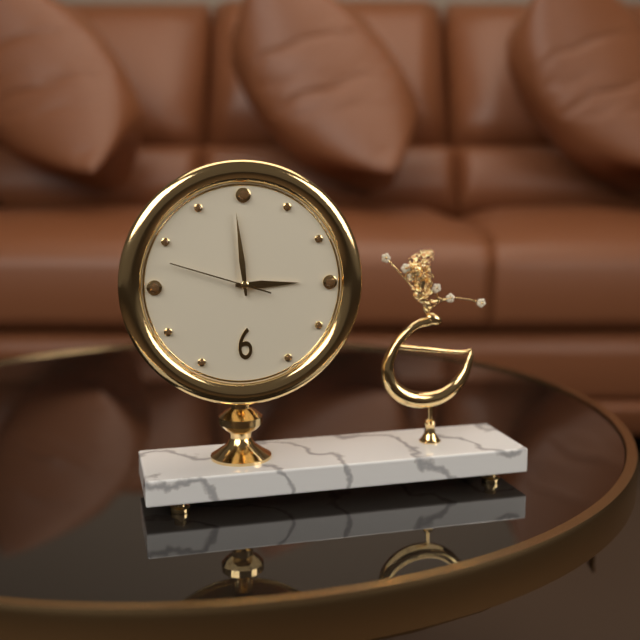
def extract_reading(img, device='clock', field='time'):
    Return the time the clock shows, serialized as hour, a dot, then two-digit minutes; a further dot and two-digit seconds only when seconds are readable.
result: 2.59.48
